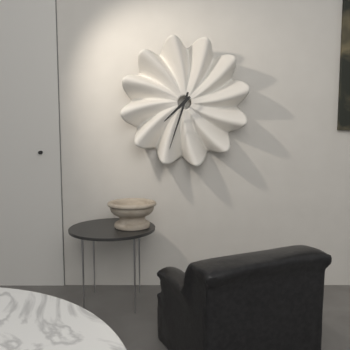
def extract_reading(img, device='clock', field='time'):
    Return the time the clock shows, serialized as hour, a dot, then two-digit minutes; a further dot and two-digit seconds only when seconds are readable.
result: 7.33
